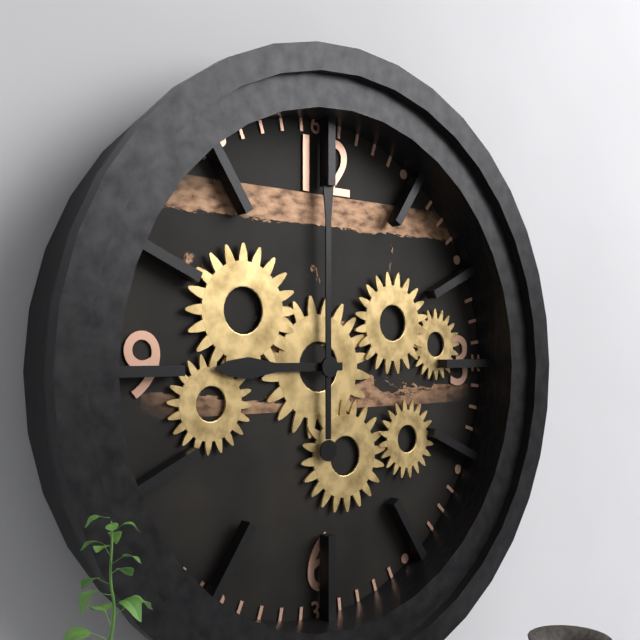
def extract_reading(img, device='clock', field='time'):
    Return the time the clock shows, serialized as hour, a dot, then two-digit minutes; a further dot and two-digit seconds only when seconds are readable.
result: 9.00
